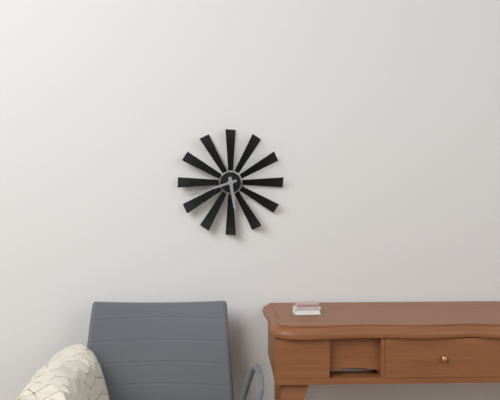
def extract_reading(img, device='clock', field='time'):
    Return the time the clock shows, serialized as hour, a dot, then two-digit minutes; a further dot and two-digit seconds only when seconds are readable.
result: 5.42
